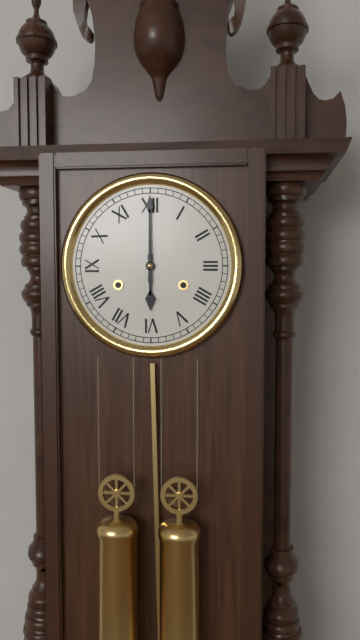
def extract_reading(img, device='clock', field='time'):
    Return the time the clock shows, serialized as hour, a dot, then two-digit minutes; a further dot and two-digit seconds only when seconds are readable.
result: 6.00
